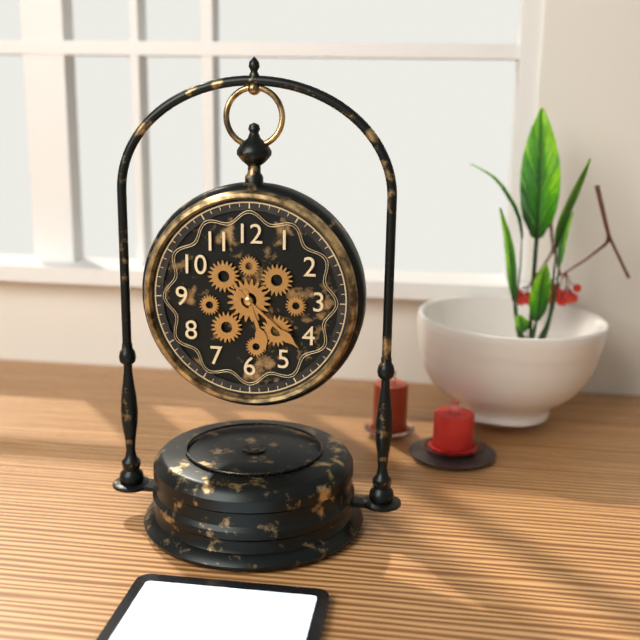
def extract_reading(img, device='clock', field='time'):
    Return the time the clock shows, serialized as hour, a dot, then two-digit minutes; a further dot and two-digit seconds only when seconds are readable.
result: 5.22
